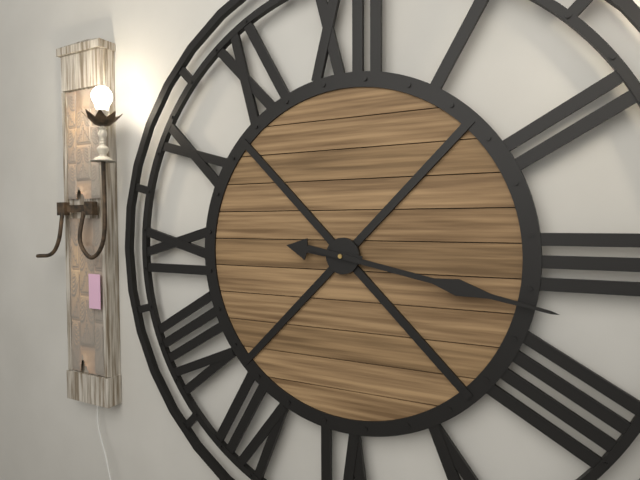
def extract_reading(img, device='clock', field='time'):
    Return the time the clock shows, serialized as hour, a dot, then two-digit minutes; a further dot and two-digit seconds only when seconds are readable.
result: 9.17
